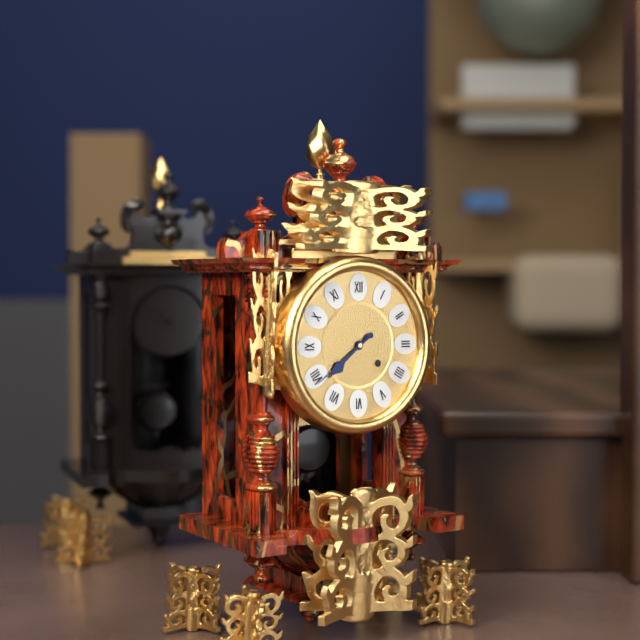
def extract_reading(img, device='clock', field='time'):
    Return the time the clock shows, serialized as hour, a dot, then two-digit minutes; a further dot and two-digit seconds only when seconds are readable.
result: 7.39
